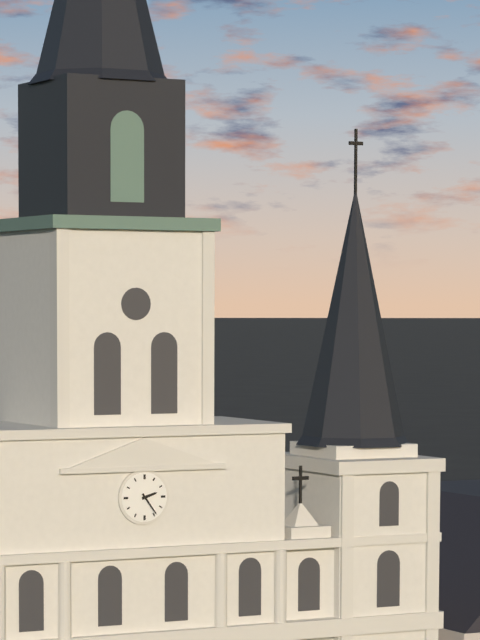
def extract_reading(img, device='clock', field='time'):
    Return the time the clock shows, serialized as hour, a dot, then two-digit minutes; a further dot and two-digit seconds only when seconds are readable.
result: 2.24
